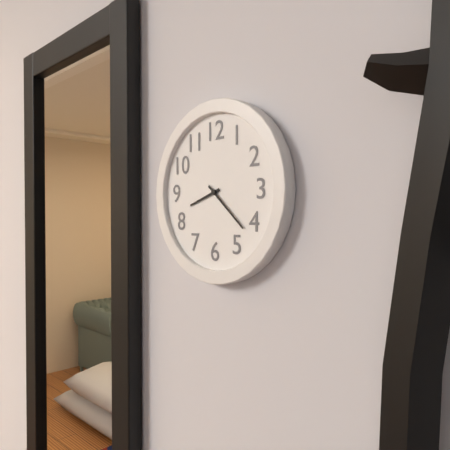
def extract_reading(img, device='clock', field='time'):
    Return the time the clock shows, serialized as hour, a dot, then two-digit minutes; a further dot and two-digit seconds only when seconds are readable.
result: 8.22
